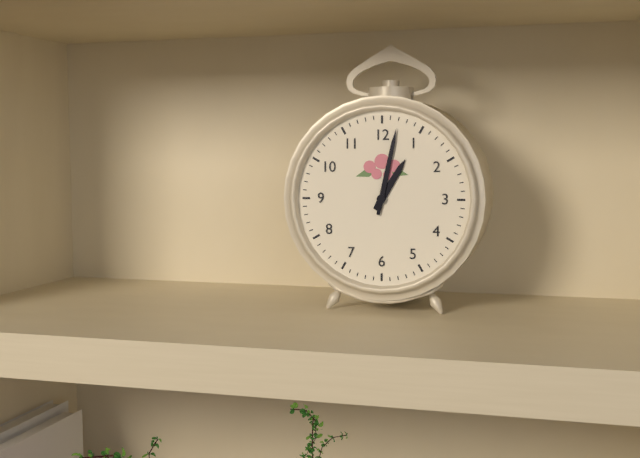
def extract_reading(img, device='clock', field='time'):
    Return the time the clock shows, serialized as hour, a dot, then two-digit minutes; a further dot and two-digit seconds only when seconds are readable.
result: 1.02
